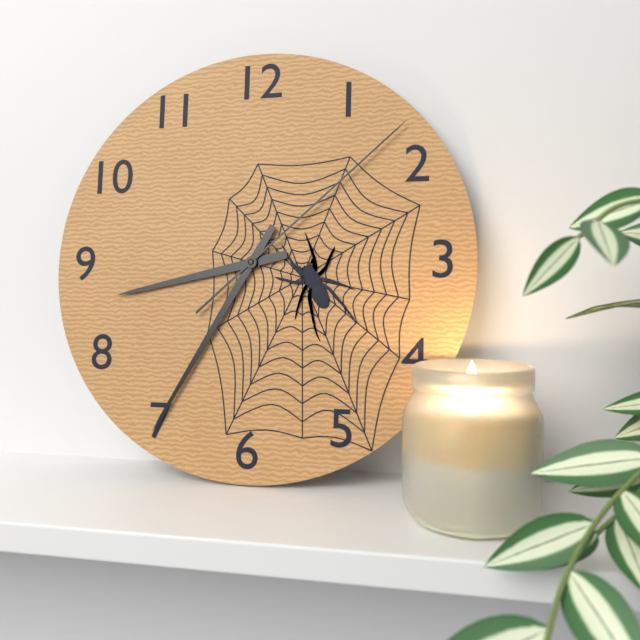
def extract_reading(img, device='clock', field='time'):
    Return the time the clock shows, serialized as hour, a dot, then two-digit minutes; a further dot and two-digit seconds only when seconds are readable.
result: 8.35.08
